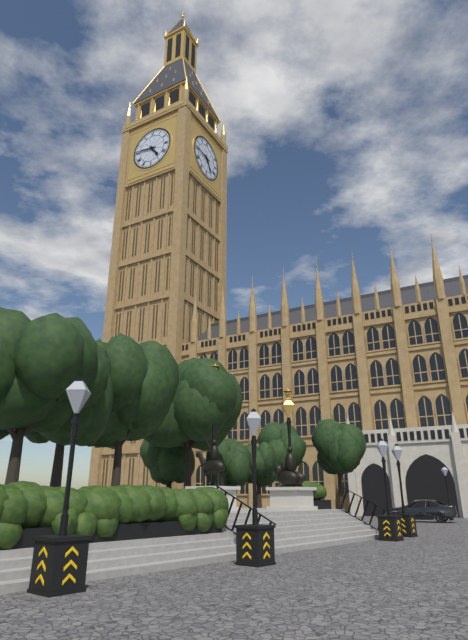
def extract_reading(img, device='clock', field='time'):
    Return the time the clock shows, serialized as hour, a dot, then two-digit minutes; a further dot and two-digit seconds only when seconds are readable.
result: 4.46
